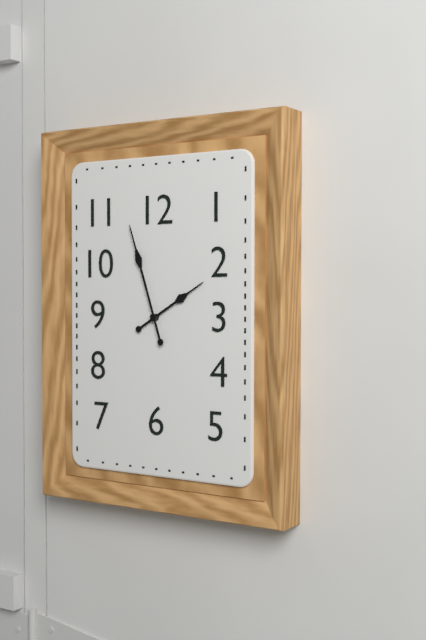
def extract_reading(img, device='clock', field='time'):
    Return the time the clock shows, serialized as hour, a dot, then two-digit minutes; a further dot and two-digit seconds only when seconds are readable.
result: 1.57
